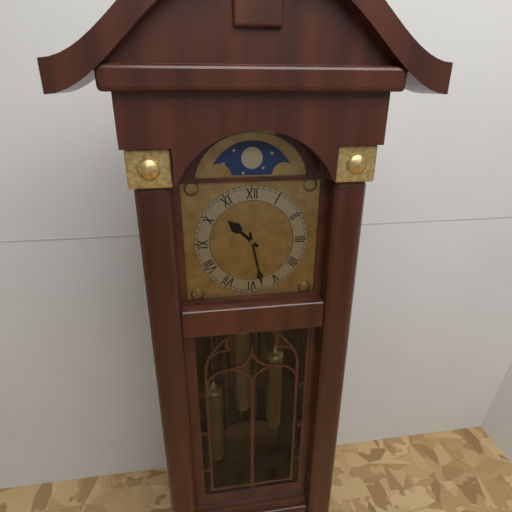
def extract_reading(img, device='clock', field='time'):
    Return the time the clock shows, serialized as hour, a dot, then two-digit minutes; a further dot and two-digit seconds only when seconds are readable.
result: 10.28
